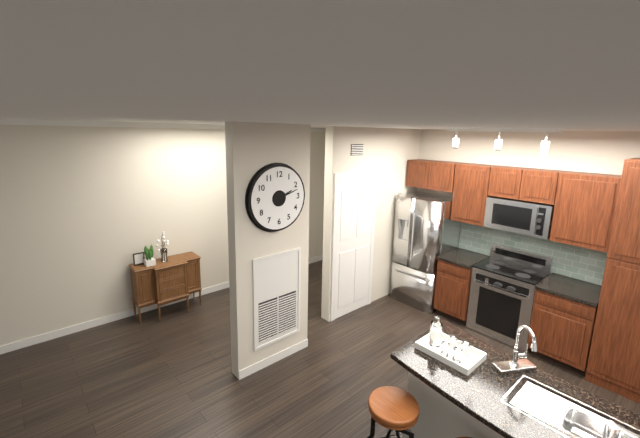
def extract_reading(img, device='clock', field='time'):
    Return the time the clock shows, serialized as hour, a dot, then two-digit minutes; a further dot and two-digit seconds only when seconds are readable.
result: 2.12
